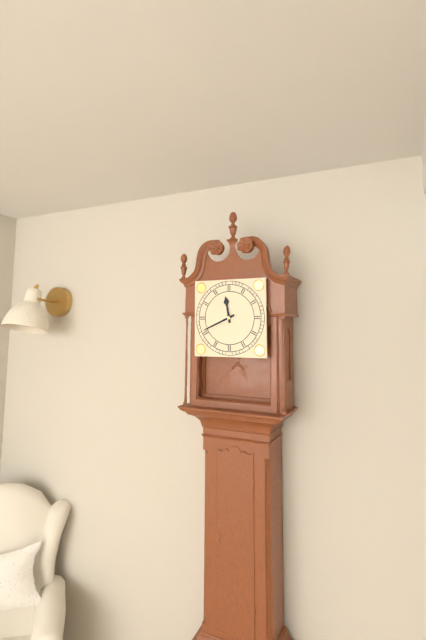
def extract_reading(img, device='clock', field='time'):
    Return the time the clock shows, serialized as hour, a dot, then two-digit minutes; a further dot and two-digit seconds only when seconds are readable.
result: 11.41
